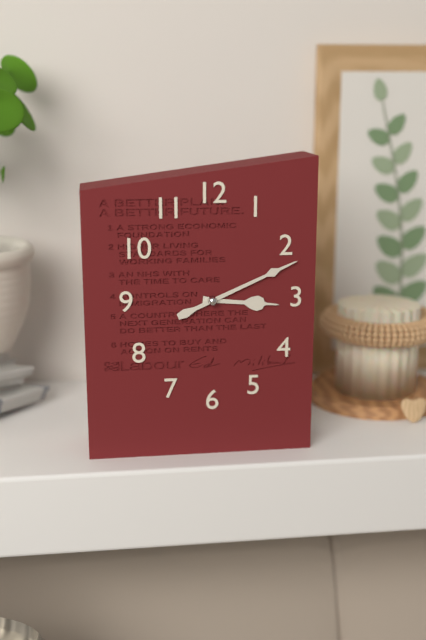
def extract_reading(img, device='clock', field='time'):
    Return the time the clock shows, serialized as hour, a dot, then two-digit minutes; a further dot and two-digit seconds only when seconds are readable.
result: 3.11
